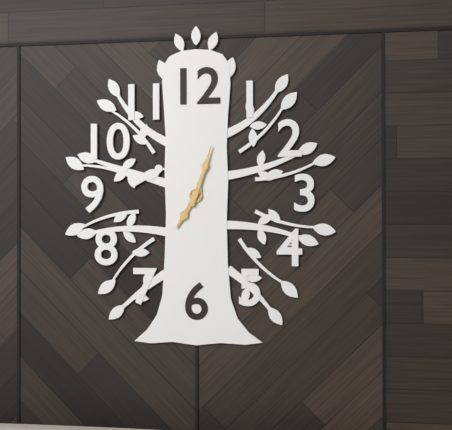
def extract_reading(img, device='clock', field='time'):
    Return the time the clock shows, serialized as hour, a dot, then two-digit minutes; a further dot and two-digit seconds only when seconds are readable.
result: 7.03
